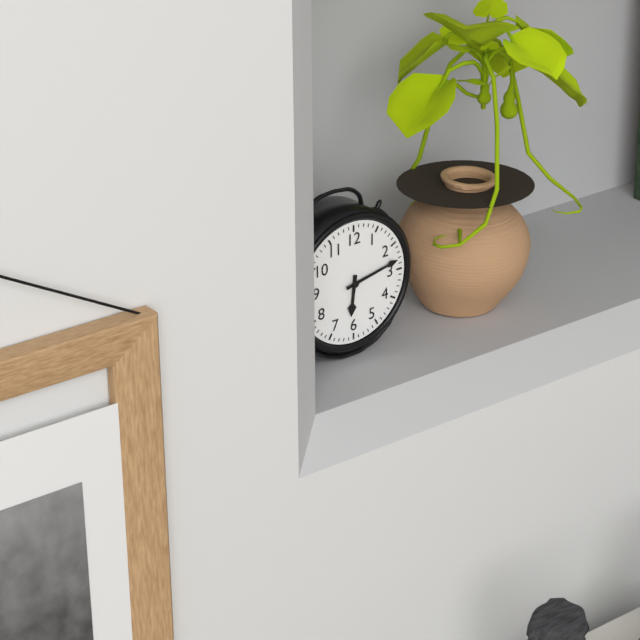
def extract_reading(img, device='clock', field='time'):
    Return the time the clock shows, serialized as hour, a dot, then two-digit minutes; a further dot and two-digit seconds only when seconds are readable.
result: 6.13
